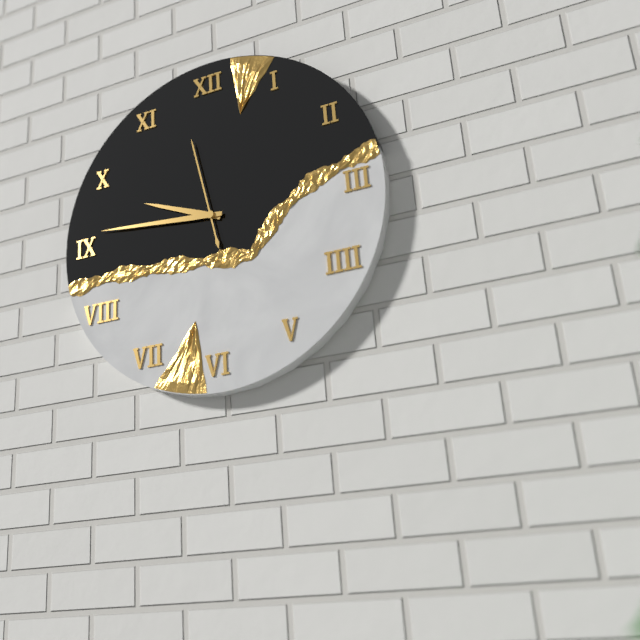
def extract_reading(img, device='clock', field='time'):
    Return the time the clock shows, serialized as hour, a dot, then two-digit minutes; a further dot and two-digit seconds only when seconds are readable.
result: 9.46.58
